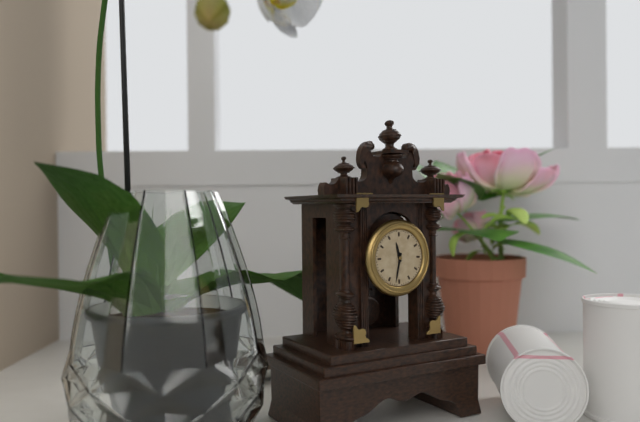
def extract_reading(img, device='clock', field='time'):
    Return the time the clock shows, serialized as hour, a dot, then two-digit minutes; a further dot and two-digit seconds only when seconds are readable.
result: 11.32
